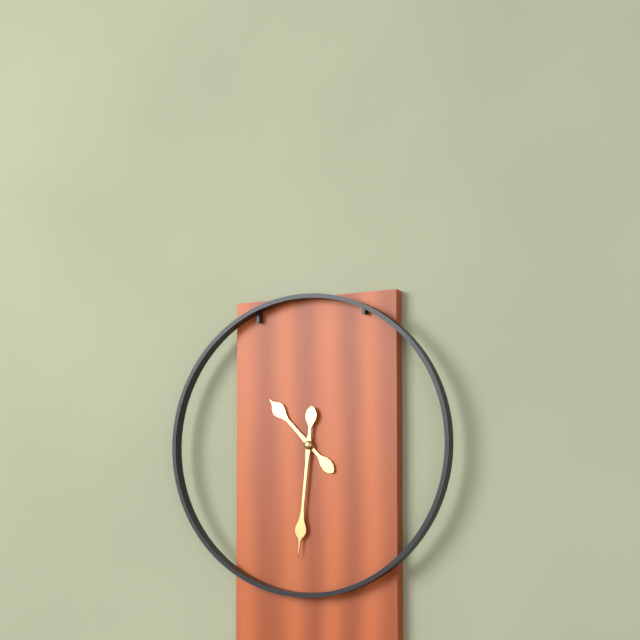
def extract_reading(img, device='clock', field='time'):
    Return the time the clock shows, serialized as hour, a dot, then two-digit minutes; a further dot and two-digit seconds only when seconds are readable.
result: 10.31
